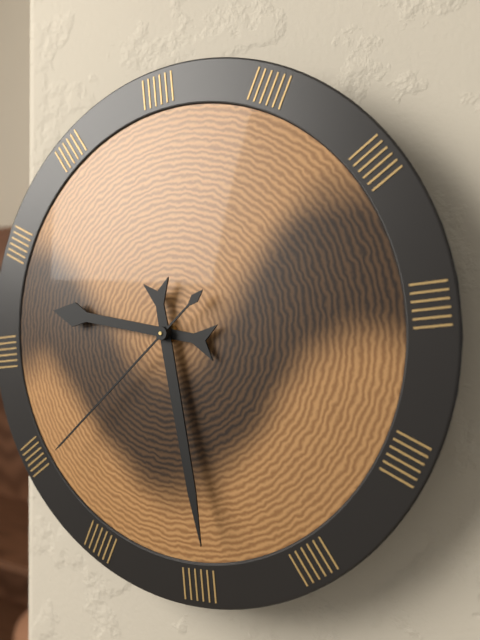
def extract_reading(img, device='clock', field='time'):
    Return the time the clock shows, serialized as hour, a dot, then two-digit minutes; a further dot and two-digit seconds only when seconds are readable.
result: 9.29.39
